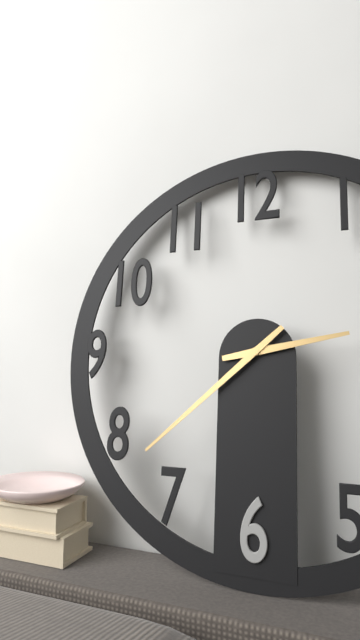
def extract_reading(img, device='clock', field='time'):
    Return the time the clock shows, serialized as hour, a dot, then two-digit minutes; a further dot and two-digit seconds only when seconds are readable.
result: 2.38
